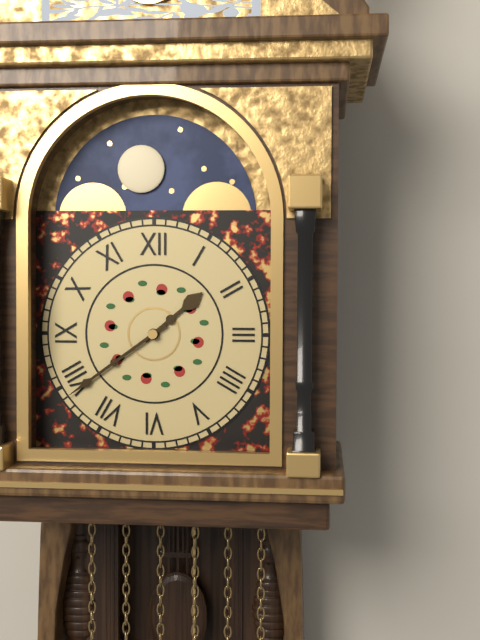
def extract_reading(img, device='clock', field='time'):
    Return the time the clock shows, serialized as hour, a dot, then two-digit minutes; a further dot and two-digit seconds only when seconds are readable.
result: 1.39
